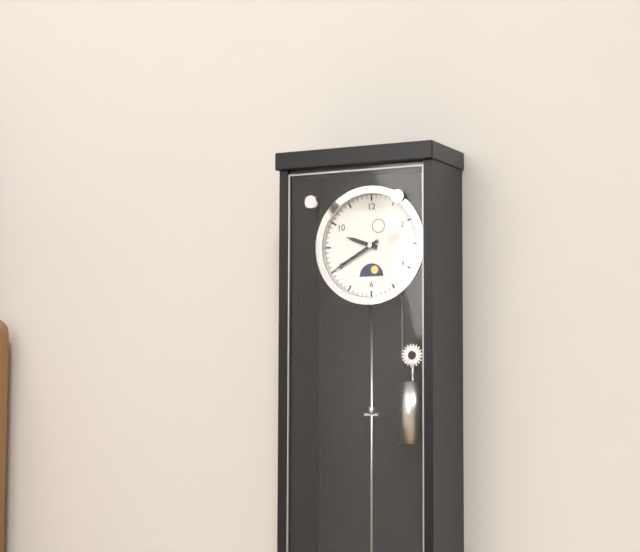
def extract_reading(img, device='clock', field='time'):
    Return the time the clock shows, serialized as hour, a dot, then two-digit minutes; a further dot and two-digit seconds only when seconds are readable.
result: 9.40
